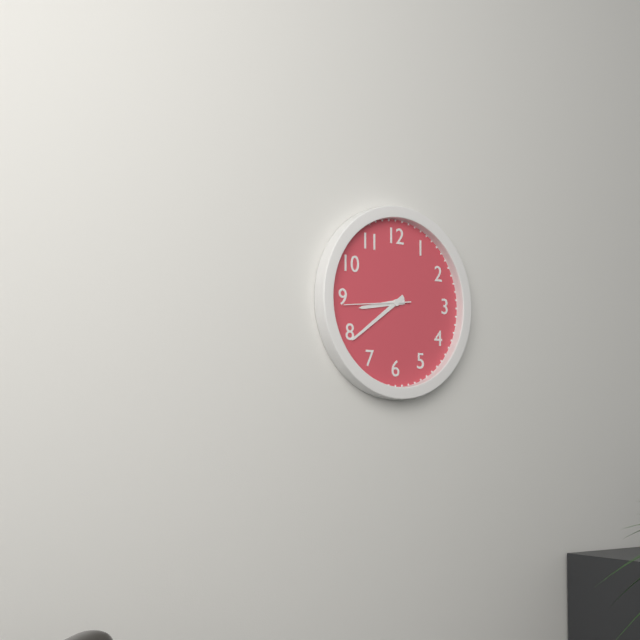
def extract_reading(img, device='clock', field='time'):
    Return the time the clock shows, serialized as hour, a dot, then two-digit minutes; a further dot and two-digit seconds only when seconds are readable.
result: 8.39.44
